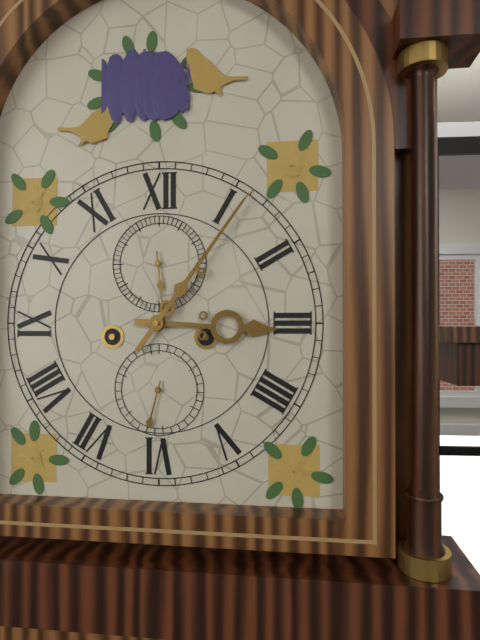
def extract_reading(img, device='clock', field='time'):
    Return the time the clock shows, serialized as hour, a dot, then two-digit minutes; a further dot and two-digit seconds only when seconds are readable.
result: 3.06.29
